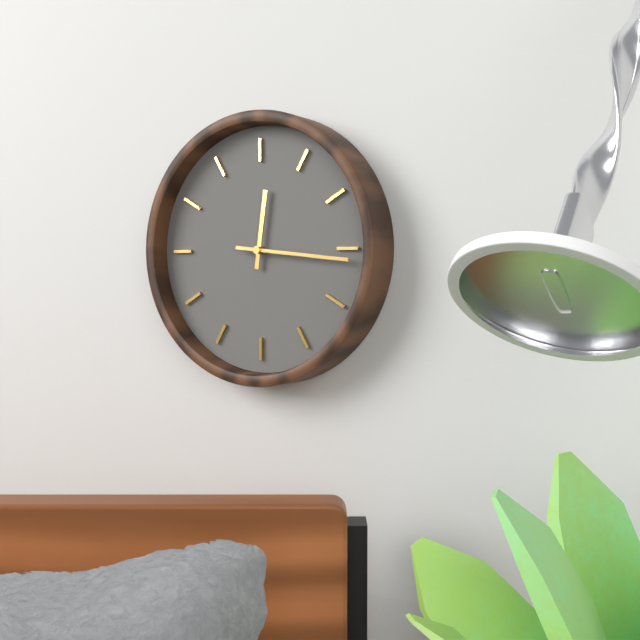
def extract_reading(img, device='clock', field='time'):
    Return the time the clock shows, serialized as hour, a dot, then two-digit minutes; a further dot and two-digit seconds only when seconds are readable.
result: 12.16
